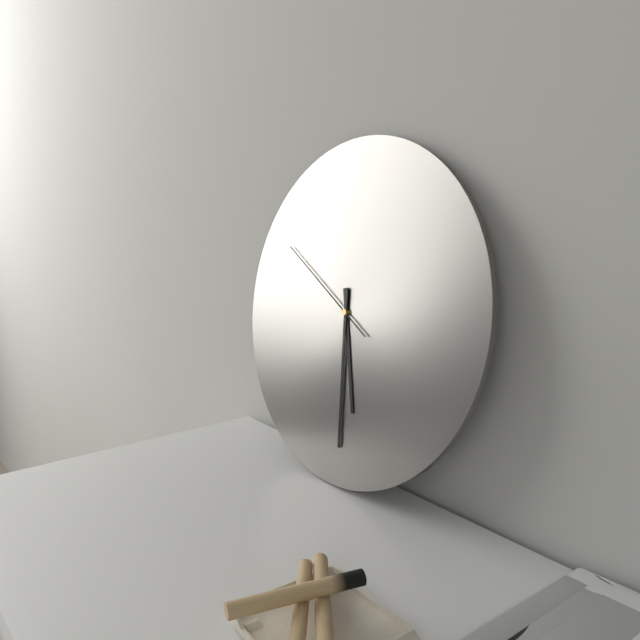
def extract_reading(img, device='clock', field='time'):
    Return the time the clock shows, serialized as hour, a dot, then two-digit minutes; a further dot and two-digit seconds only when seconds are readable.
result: 5.29.50
